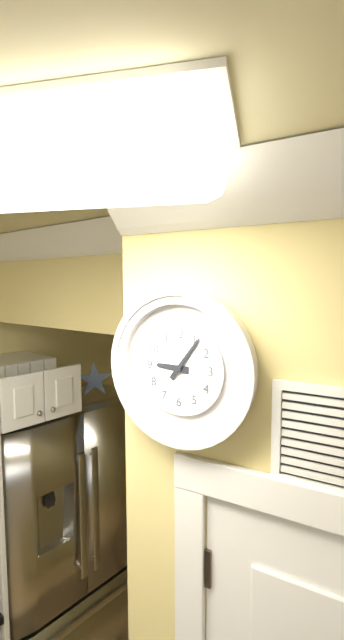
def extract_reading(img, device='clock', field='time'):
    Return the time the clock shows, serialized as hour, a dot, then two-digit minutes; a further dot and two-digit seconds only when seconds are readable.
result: 9.06
